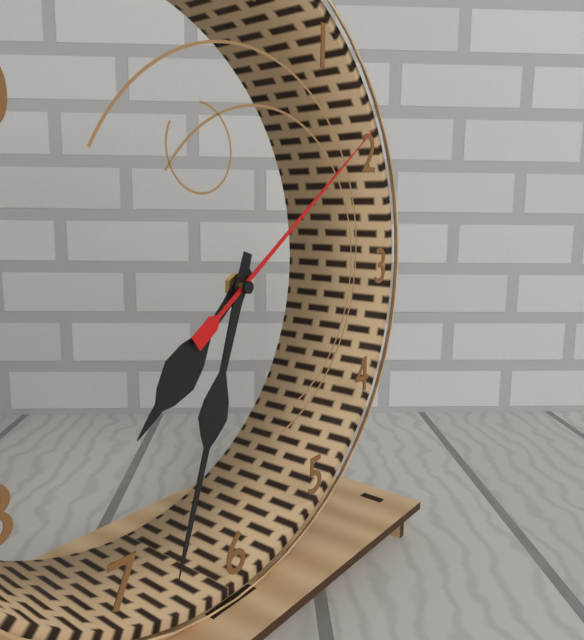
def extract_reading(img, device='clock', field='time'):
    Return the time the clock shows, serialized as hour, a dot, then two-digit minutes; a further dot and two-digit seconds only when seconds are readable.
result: 7.33.09
